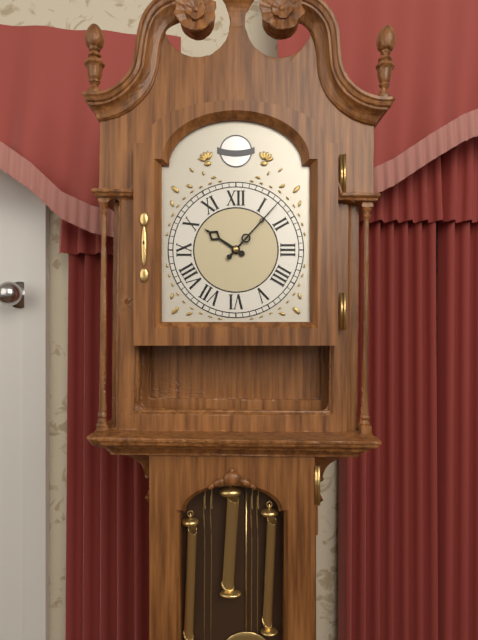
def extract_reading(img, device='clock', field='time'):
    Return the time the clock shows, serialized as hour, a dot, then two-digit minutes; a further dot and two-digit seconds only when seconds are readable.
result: 10.07
